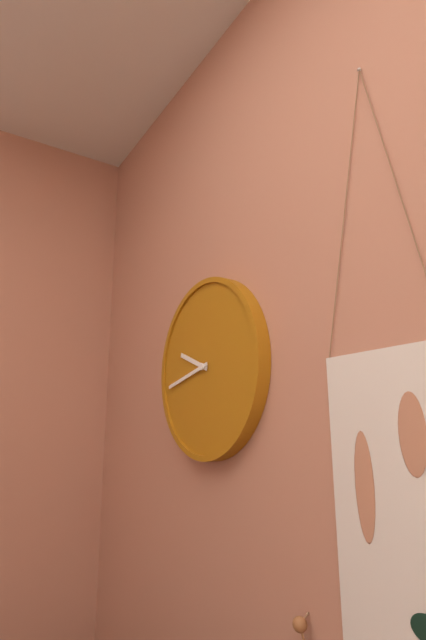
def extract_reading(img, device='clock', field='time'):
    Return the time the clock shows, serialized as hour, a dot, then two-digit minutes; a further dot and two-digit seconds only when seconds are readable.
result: 9.43
